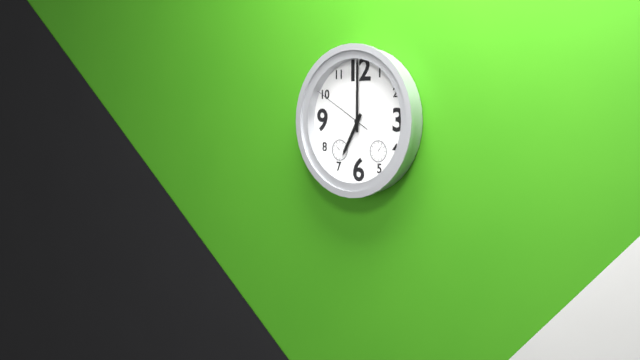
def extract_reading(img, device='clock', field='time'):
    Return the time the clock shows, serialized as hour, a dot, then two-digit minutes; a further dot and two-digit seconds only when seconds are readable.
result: 7.00.50
